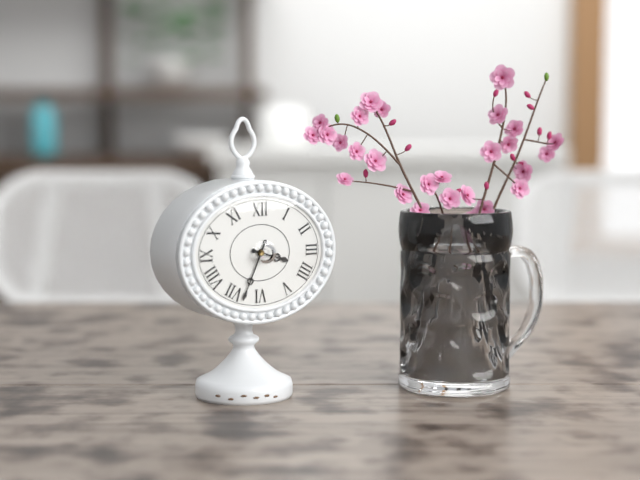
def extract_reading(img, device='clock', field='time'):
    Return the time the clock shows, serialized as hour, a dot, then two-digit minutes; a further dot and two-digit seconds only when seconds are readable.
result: 3.34
